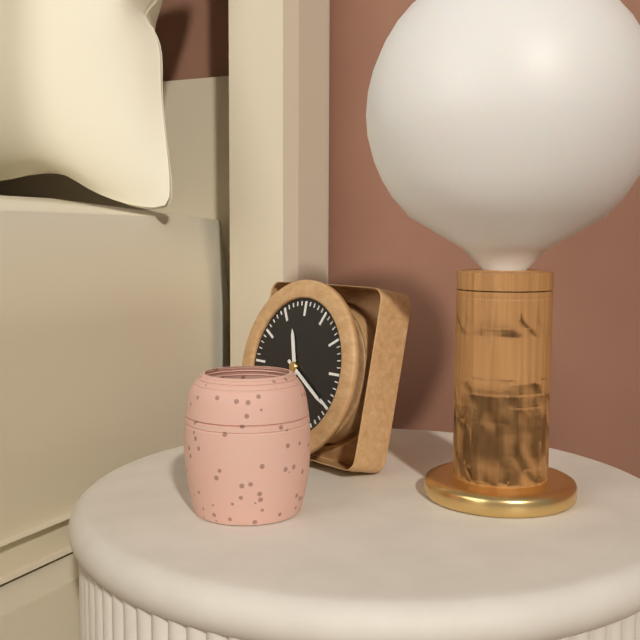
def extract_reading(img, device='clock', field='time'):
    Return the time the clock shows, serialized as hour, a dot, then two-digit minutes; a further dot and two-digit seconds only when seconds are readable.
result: 11.20
